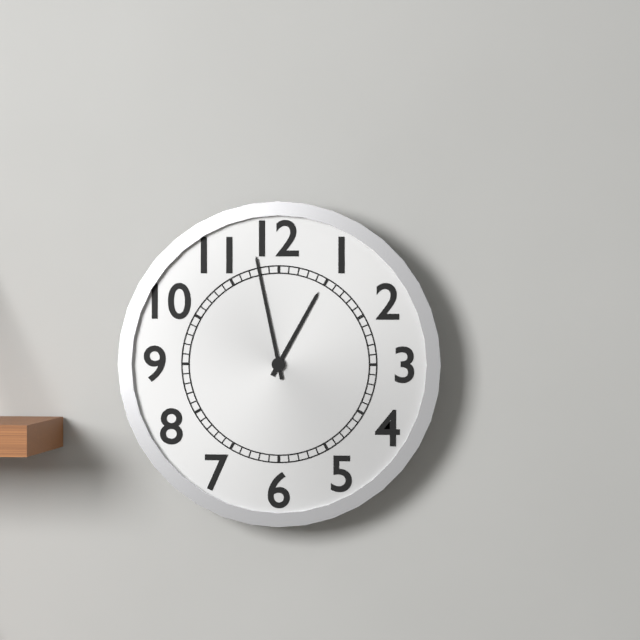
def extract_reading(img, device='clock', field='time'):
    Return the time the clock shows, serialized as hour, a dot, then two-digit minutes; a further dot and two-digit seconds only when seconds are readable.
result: 12.58
